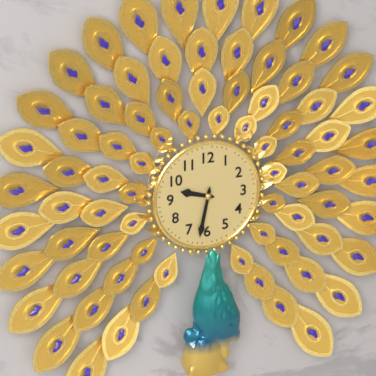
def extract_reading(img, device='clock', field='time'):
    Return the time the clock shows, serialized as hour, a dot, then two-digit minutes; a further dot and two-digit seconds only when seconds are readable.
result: 9.32
